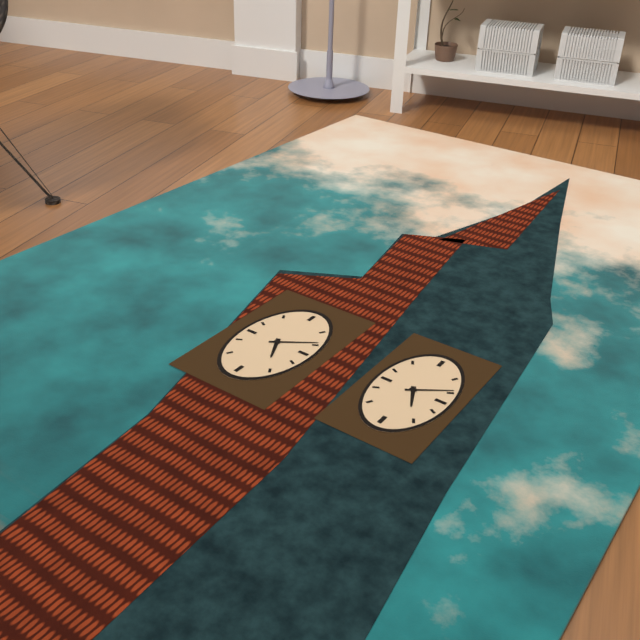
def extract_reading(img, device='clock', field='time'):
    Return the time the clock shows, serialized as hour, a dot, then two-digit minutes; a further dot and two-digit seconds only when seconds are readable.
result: 5.09
